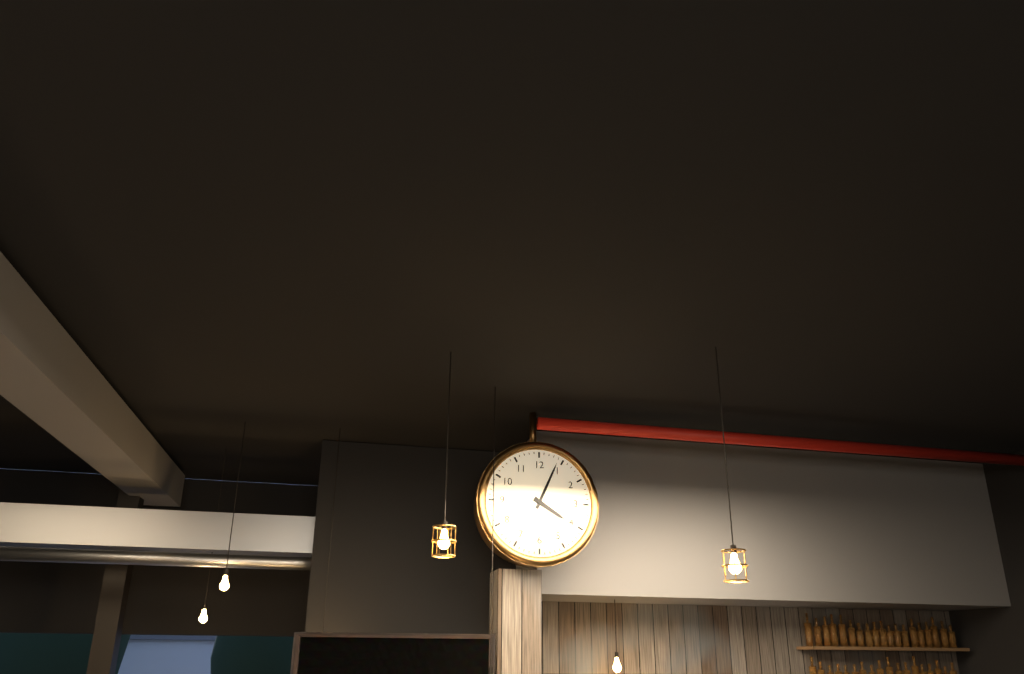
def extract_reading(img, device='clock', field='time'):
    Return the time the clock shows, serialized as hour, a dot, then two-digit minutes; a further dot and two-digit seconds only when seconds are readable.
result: 4.04
